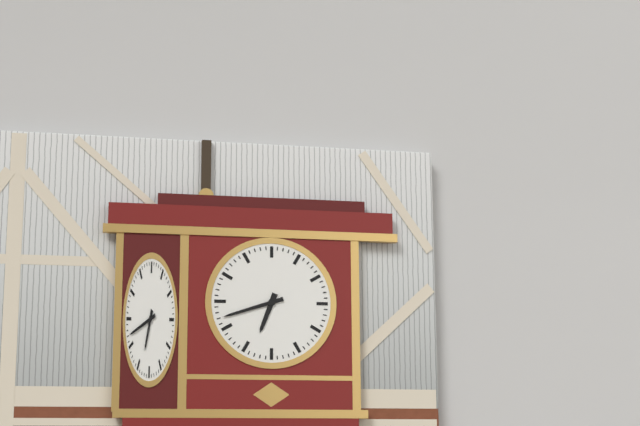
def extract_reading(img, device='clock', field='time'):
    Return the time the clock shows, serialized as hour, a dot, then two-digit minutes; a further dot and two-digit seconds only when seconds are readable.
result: 6.42
